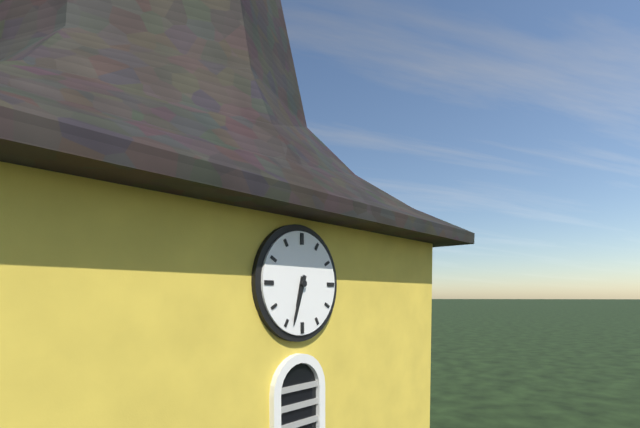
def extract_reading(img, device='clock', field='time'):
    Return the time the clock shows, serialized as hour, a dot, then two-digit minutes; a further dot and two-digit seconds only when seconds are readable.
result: 6.33
